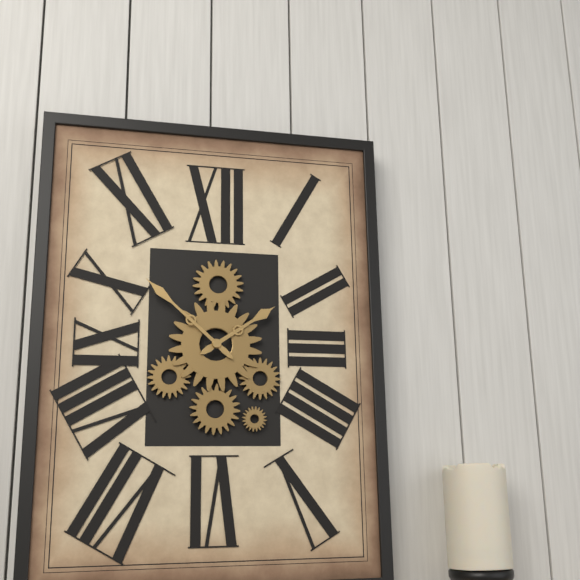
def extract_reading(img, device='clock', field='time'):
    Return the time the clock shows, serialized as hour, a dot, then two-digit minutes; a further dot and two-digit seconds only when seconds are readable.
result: 1.52
